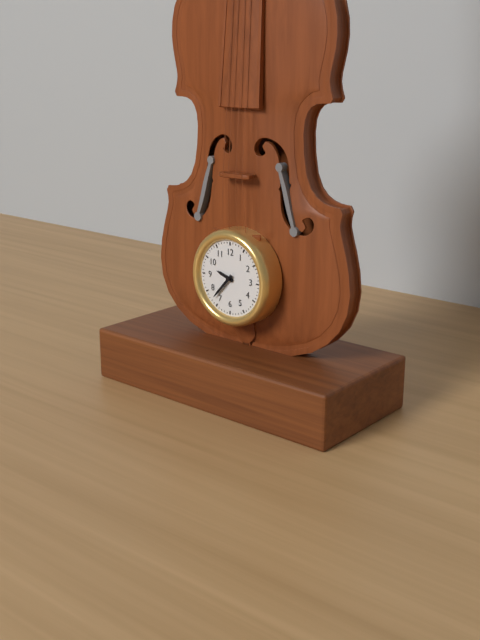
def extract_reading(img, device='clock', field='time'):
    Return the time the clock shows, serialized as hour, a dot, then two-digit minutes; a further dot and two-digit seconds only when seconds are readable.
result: 9.37
